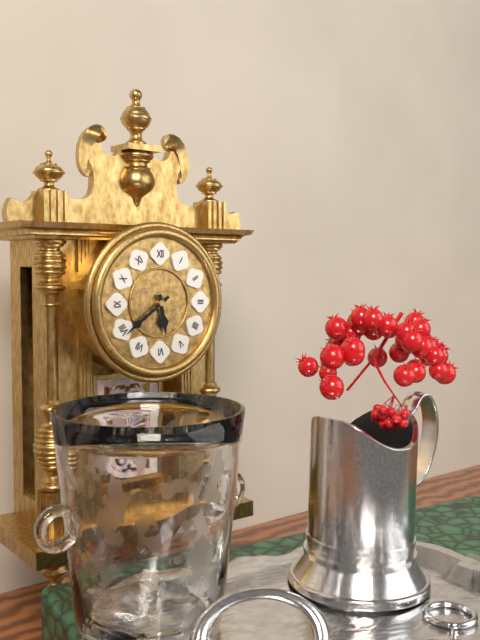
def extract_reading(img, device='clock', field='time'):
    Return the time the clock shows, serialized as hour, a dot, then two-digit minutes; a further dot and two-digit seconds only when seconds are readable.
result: 5.39
